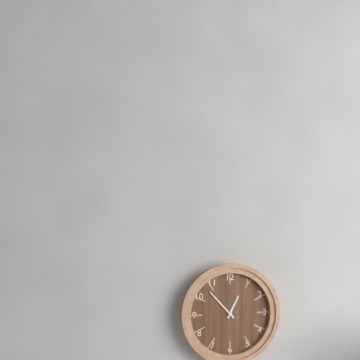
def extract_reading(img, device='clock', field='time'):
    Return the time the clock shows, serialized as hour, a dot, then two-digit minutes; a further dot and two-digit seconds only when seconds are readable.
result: 12.53
